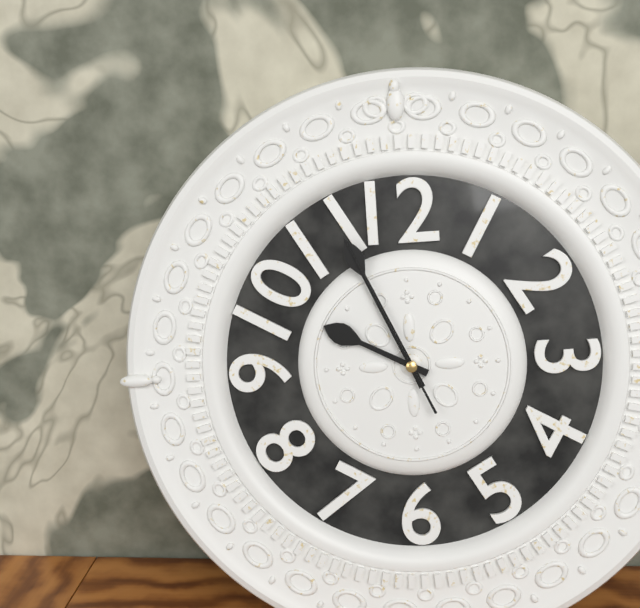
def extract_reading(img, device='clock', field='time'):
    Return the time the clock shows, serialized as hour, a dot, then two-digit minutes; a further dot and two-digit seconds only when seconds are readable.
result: 9.56.56
